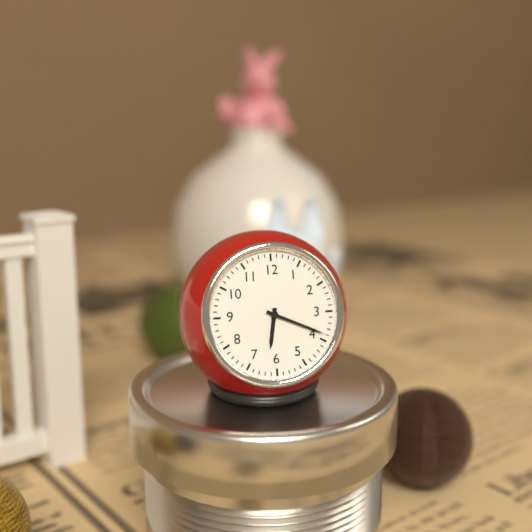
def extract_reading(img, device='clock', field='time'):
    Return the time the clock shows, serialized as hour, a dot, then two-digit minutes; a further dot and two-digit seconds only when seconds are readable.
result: 6.19
